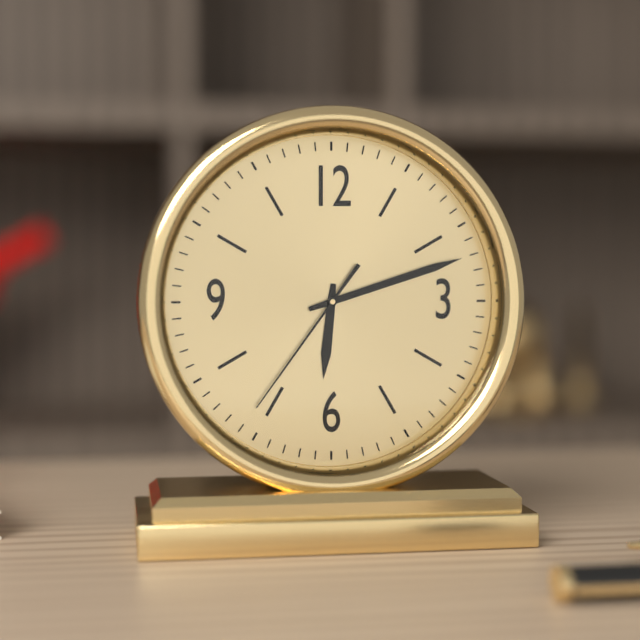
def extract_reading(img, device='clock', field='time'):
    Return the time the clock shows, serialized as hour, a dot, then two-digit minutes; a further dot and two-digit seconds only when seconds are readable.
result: 6.12.36
